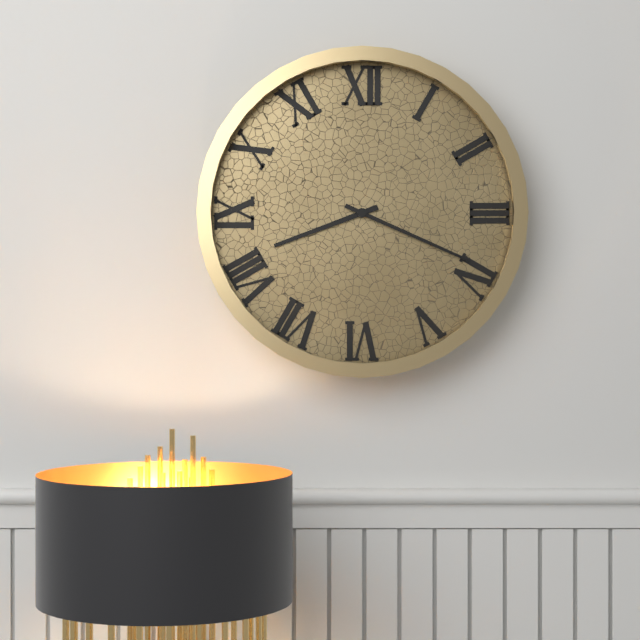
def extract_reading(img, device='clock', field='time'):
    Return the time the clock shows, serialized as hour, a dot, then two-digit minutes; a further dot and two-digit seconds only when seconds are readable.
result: 8.19
